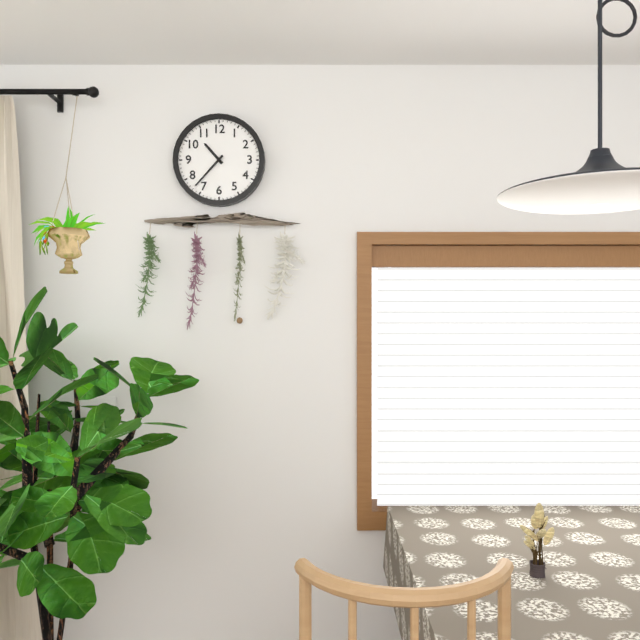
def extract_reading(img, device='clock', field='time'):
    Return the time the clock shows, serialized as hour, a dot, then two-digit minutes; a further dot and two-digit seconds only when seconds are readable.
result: 10.37
